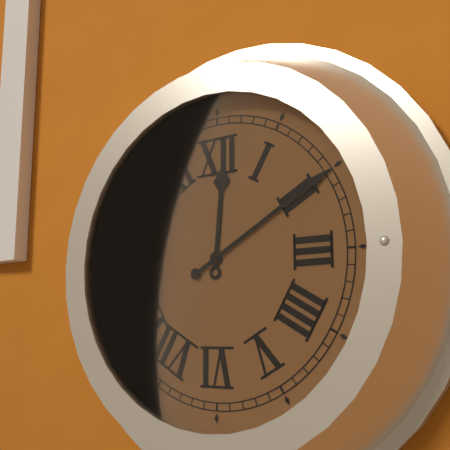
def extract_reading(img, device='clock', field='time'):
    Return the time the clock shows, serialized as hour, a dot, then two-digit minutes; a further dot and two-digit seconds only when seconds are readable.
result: 12.10
